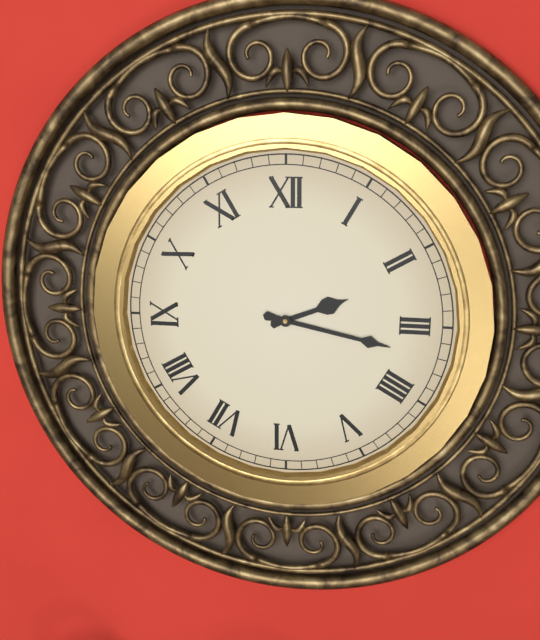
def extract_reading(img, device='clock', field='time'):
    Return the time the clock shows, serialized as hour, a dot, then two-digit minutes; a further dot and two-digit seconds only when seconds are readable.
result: 2.17
